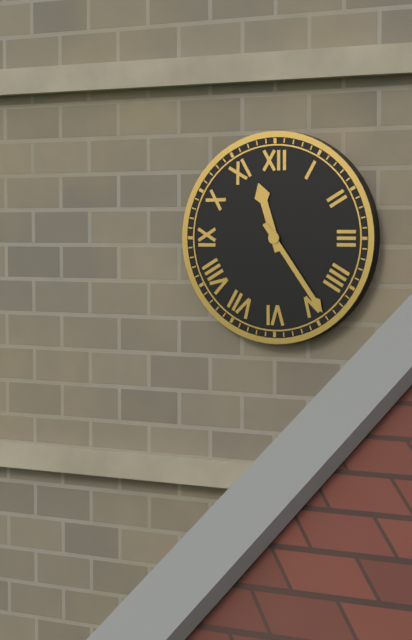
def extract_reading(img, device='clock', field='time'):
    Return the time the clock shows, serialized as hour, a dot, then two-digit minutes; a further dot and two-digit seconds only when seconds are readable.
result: 11.24
